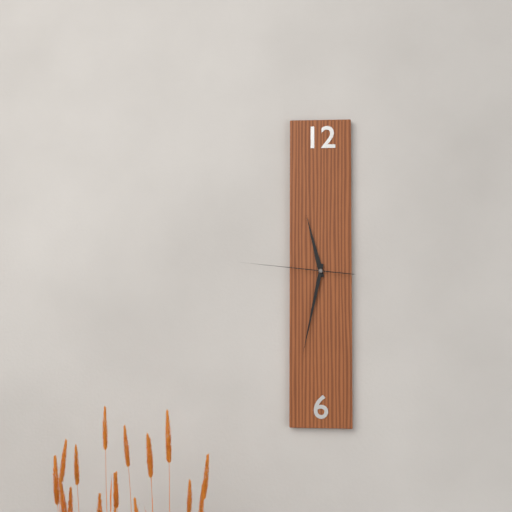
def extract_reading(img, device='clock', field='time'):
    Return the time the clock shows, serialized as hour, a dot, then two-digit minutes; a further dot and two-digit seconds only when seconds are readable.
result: 11.32.46
